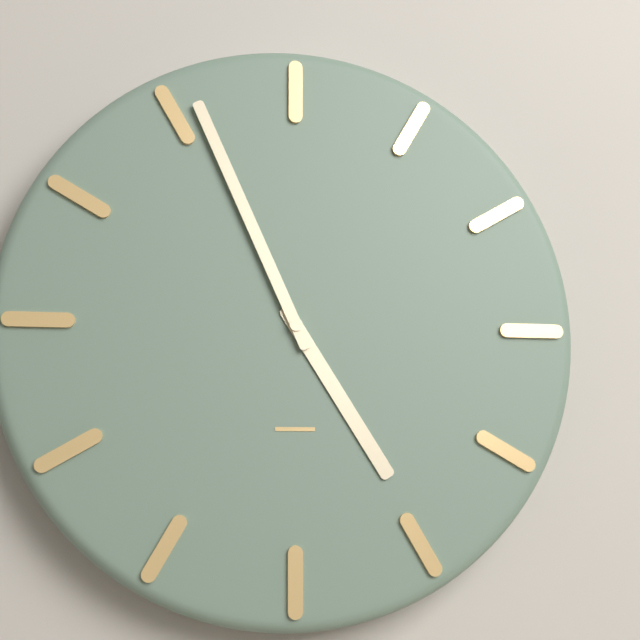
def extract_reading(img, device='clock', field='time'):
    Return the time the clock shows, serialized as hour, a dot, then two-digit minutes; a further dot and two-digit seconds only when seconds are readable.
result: 4.56
